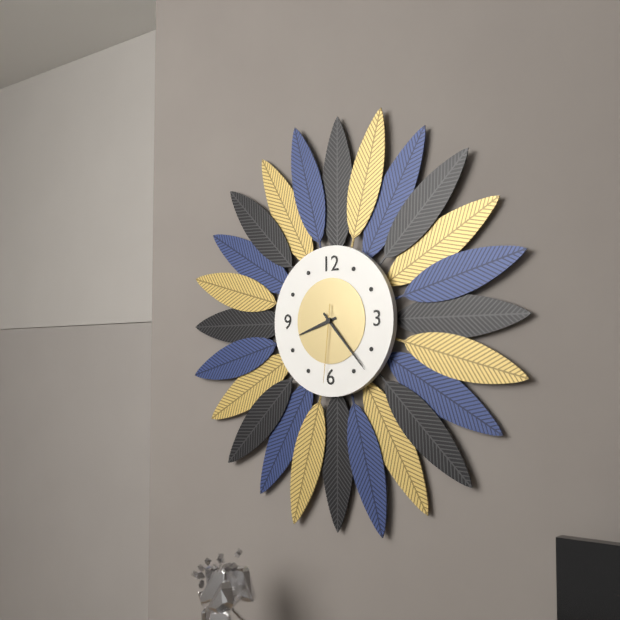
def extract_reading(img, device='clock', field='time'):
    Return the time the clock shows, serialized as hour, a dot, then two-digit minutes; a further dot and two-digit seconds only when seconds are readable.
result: 8.23.31
